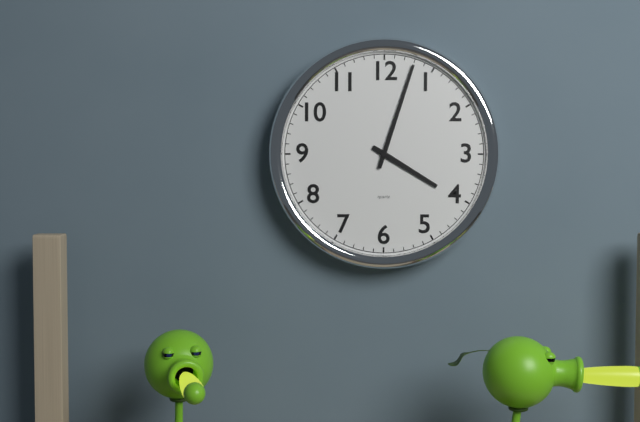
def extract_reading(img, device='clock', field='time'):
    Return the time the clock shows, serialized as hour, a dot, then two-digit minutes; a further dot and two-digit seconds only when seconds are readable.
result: 4.03
